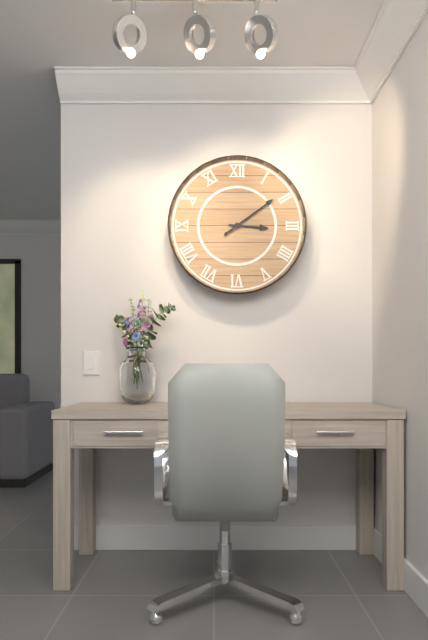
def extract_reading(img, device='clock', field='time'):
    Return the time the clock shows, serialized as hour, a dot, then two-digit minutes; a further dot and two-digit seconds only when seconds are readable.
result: 3.09
